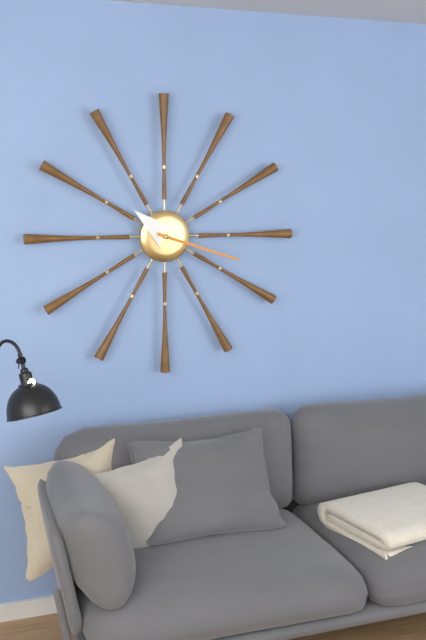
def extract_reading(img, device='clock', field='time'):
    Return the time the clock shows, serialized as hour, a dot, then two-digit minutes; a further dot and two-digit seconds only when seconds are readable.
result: 10.18
